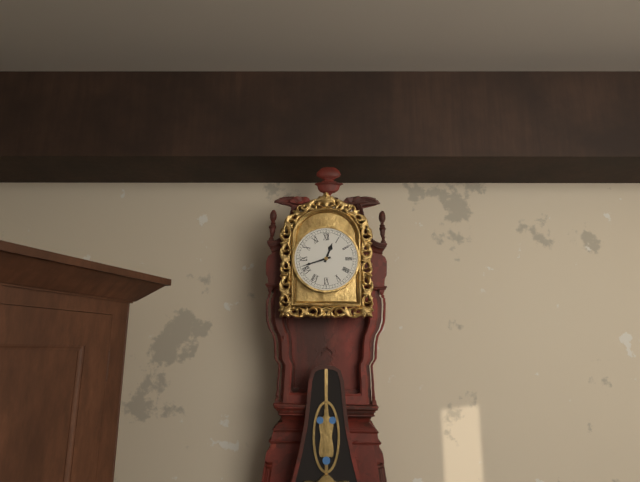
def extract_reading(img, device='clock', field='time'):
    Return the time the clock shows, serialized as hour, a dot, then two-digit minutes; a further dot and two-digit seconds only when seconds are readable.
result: 12.42
